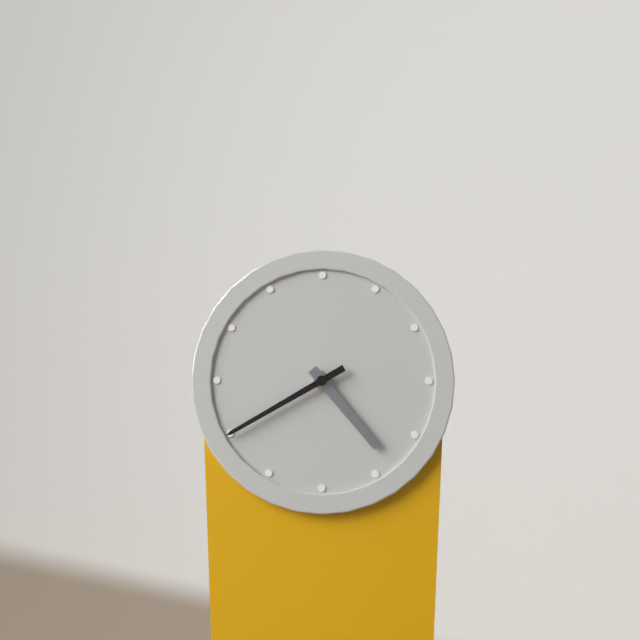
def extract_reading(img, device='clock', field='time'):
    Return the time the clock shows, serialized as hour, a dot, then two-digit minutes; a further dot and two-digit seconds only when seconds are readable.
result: 4.40
